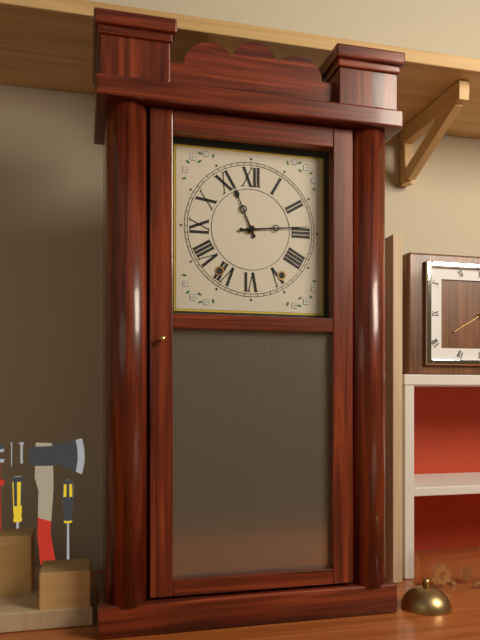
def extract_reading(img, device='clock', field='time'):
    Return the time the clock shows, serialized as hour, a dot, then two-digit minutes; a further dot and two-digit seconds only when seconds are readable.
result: 11.14
